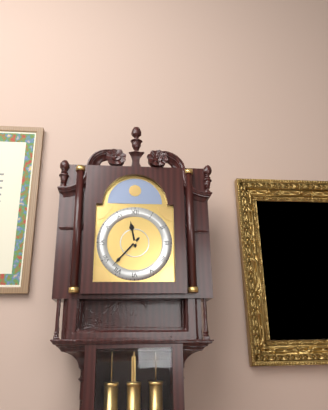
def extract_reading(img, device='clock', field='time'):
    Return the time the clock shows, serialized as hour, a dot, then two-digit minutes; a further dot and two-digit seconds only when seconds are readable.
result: 11.37
